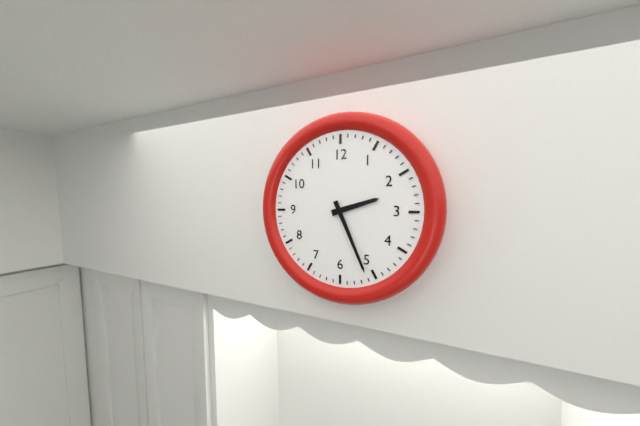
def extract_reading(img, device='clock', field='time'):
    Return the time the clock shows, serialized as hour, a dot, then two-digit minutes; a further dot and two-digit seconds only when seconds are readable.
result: 2.26
